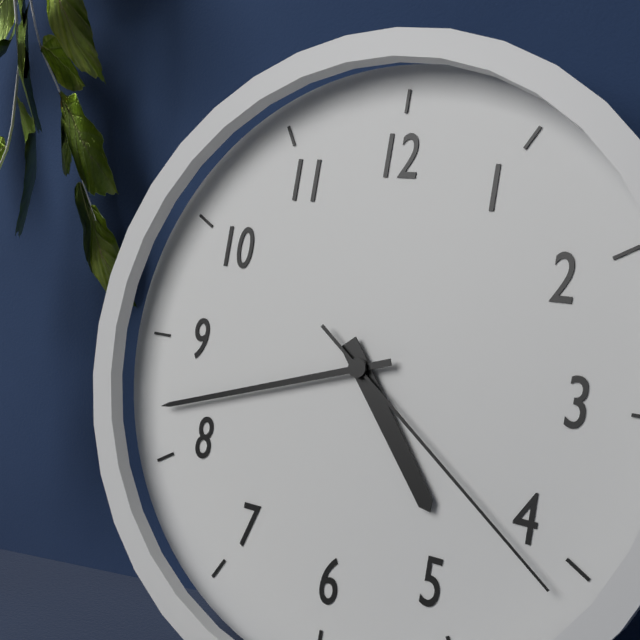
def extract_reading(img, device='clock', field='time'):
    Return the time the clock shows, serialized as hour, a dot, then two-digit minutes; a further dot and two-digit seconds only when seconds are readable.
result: 4.42.21
